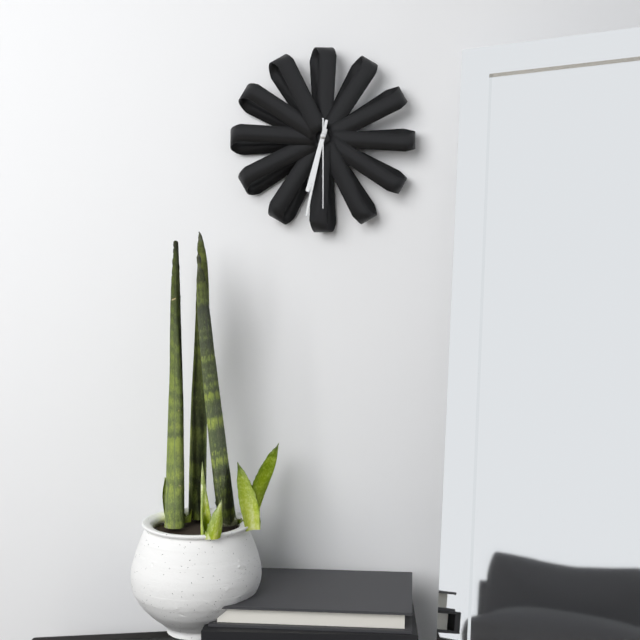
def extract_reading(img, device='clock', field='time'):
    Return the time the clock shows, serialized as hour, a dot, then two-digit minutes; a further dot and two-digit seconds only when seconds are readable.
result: 6.32.30
